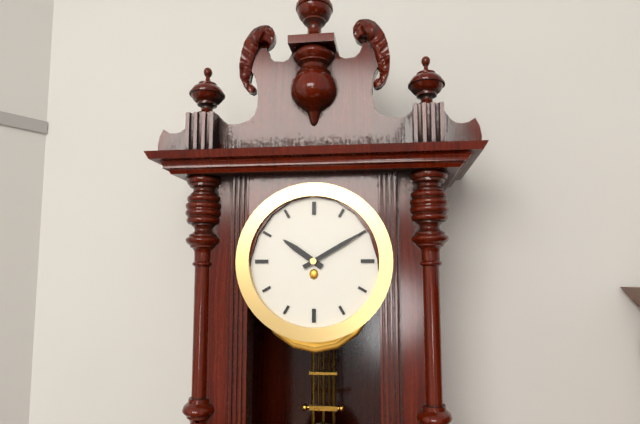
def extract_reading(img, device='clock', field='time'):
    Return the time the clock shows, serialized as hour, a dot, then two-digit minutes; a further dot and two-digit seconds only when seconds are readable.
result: 10.10
